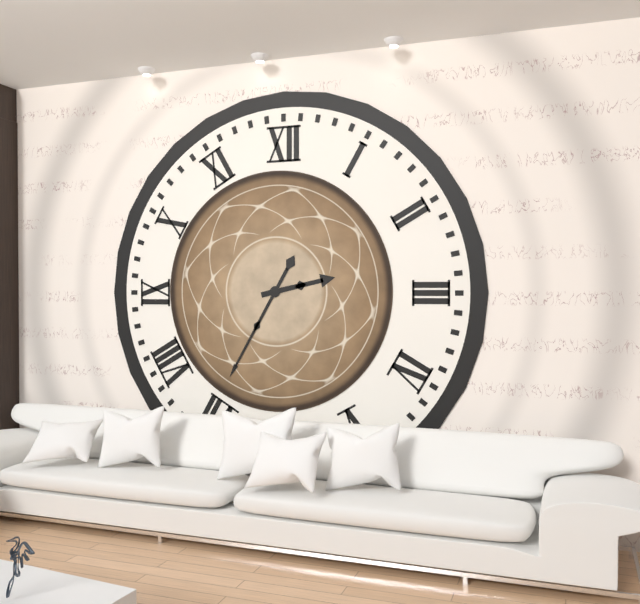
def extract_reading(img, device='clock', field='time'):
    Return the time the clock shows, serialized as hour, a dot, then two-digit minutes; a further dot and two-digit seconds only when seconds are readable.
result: 2.35
